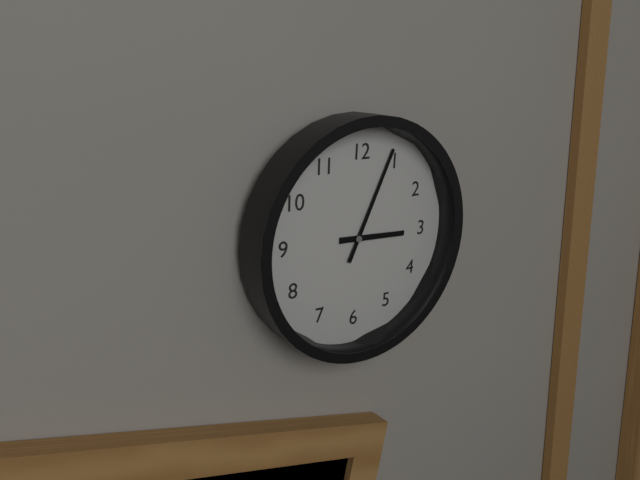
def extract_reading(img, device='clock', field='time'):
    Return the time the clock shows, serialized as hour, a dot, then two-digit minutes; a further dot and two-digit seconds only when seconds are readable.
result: 3.04
